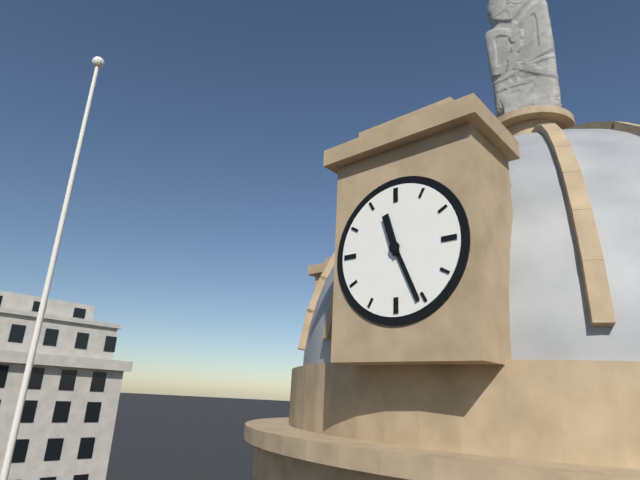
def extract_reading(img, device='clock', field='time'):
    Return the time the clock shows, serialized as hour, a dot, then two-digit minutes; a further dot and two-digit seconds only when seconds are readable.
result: 11.26
